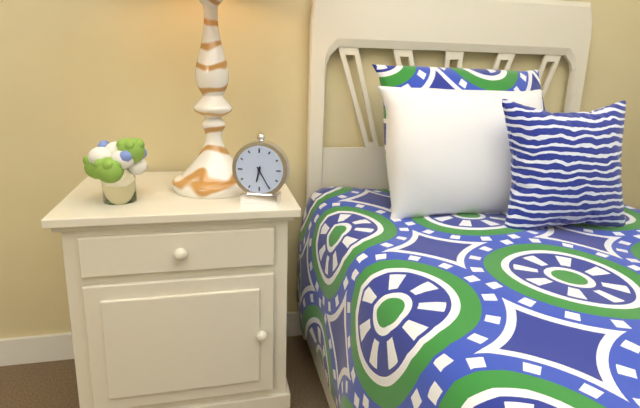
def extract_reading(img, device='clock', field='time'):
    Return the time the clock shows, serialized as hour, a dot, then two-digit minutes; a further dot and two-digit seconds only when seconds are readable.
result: 6.25
